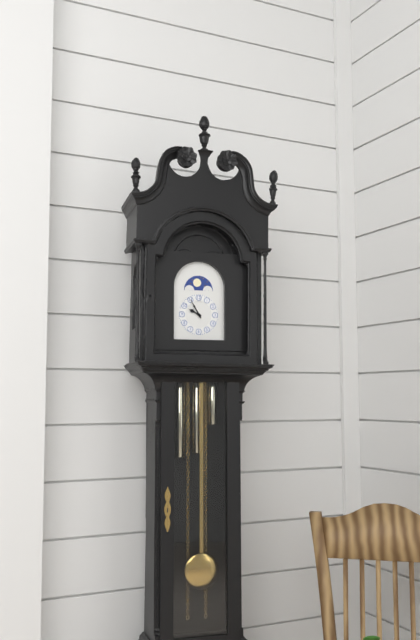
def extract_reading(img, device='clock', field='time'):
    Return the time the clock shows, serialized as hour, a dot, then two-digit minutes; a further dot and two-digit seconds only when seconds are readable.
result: 9.55
